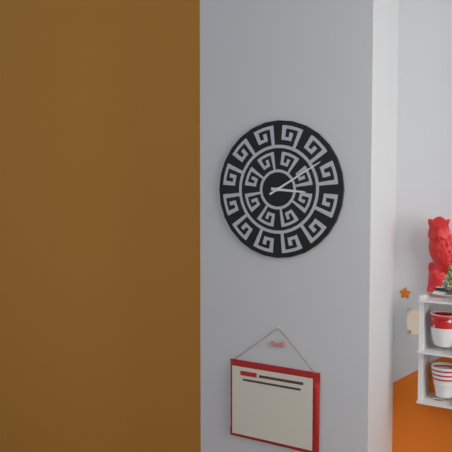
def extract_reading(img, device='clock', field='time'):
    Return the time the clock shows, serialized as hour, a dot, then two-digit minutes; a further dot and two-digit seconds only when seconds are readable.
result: 3.10
